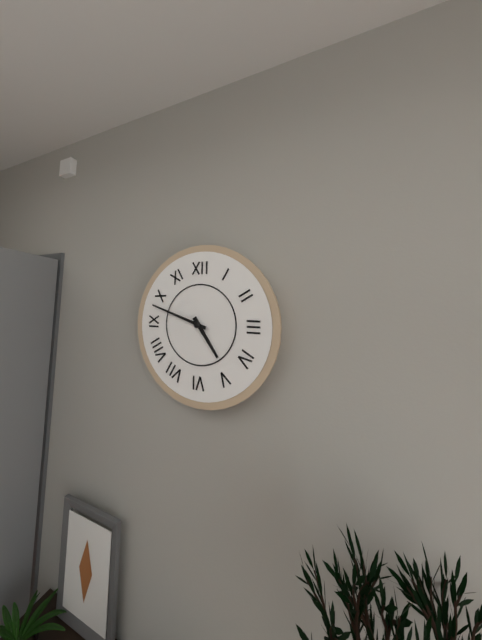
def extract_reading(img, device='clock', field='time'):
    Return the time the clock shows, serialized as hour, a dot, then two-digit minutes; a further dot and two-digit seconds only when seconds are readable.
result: 4.48
